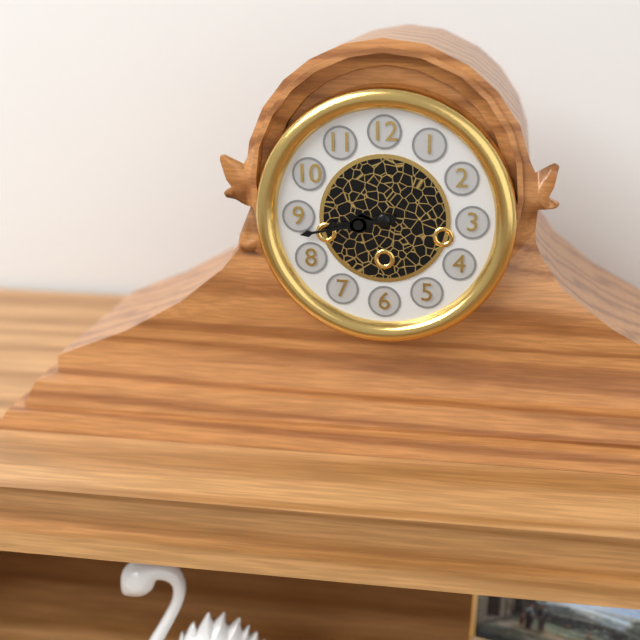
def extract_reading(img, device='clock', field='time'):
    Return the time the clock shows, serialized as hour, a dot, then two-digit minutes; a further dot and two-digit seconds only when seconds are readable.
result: 8.43
